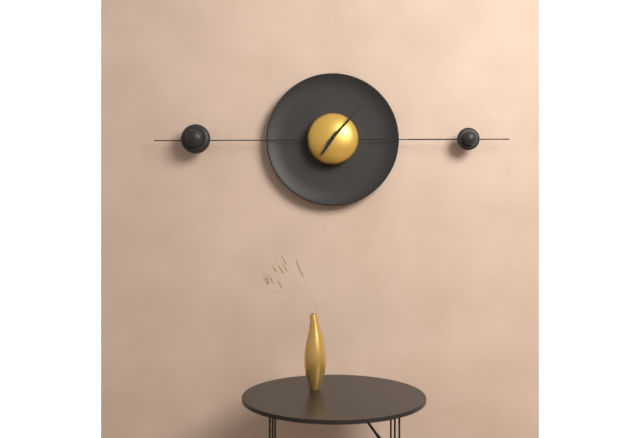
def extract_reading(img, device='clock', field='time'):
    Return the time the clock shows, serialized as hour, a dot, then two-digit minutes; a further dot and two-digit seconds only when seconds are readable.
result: 7.07
